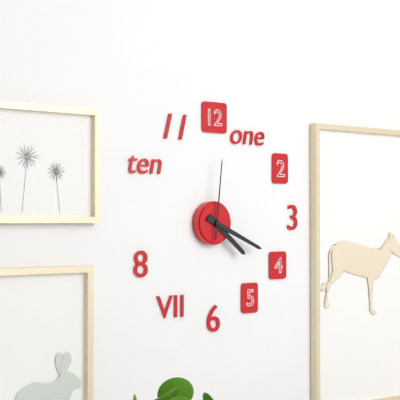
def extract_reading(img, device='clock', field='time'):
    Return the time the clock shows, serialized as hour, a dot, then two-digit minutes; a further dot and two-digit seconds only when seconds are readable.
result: 4.19.01
